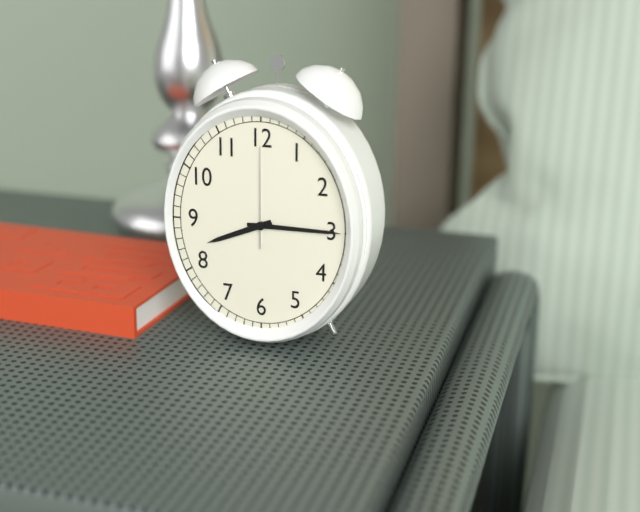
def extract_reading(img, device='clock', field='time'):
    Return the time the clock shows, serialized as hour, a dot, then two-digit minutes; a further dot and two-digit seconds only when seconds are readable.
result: 8.15.00
